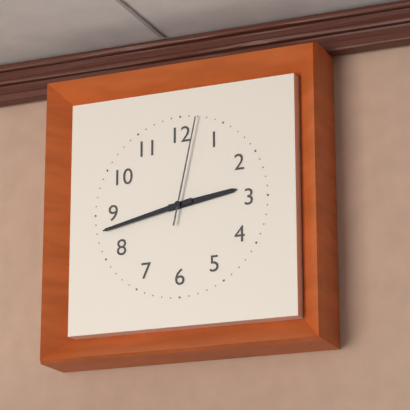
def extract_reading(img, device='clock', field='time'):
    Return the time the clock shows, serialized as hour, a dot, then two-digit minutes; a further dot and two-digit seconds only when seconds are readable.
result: 2.43.02
